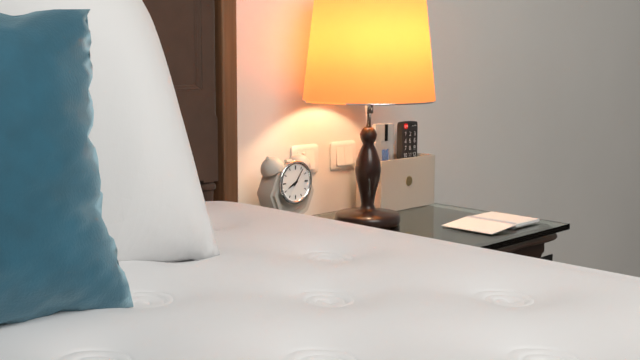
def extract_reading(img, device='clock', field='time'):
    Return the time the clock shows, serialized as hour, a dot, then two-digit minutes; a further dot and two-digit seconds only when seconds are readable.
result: 8.06
